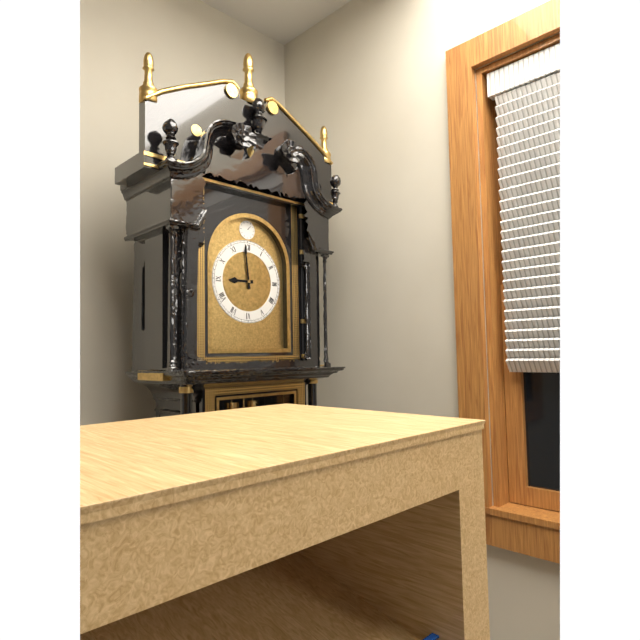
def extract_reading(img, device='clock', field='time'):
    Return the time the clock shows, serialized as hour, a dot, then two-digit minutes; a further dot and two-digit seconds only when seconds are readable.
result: 8.59
